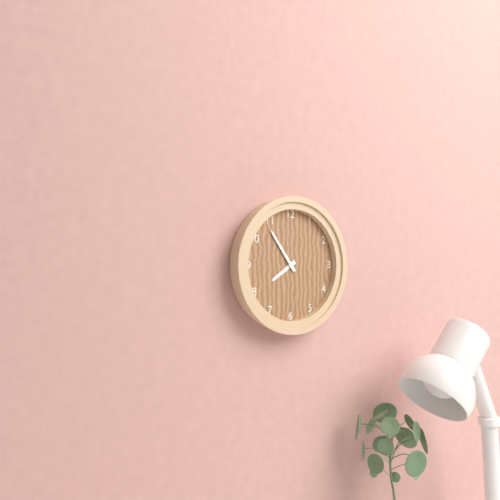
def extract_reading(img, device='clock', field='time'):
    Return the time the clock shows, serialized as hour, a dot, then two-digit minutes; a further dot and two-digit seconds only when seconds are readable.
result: 7.54
